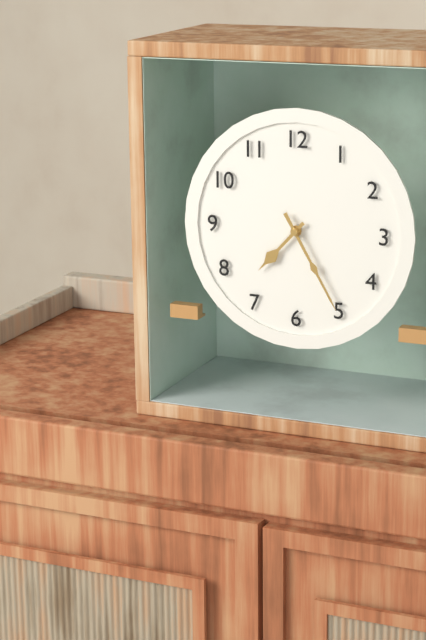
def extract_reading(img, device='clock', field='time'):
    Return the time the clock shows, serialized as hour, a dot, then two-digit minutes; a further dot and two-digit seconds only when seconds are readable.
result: 7.25
